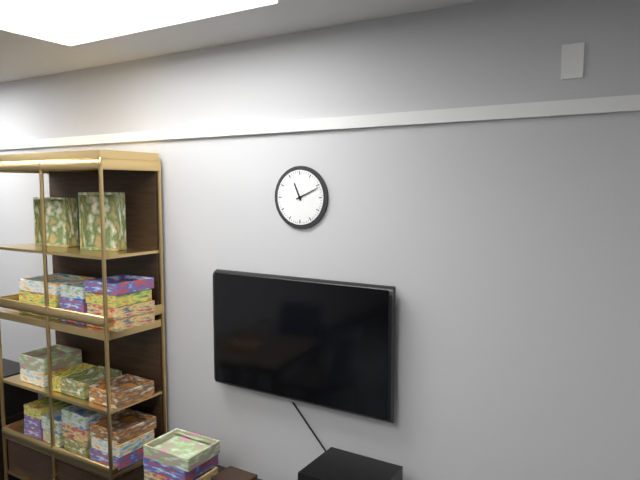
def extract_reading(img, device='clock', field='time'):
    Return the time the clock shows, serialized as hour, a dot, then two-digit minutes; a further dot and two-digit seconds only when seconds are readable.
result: 11.11
